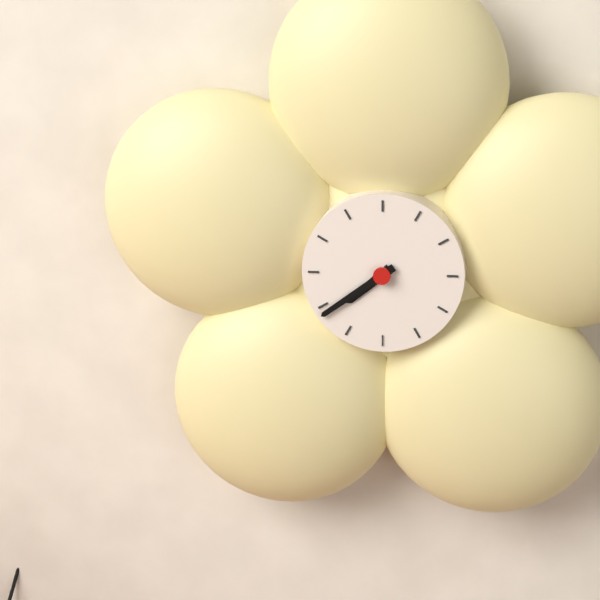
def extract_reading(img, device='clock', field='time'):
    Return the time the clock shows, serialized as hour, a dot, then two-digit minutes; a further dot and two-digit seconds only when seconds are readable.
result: 7.39
